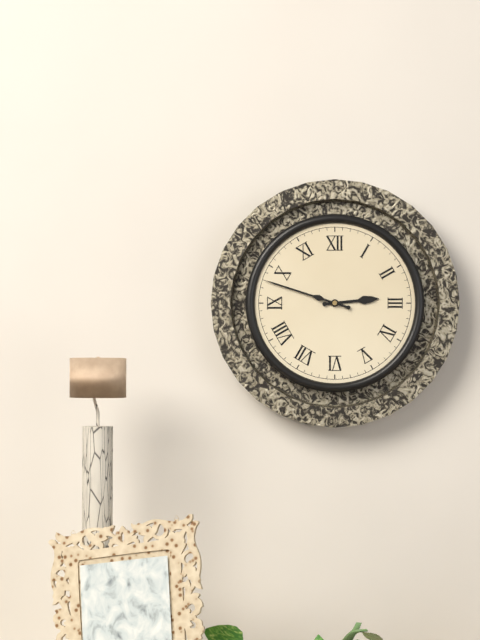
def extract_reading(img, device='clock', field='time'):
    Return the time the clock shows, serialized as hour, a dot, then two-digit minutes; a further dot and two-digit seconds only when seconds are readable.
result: 2.48
